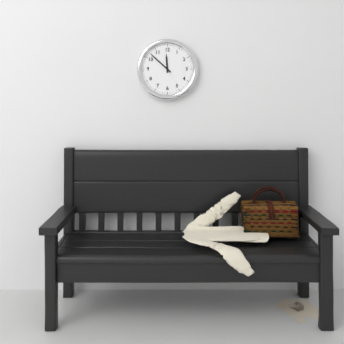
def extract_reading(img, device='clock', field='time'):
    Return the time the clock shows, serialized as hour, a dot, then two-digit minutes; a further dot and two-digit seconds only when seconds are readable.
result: 11.52
